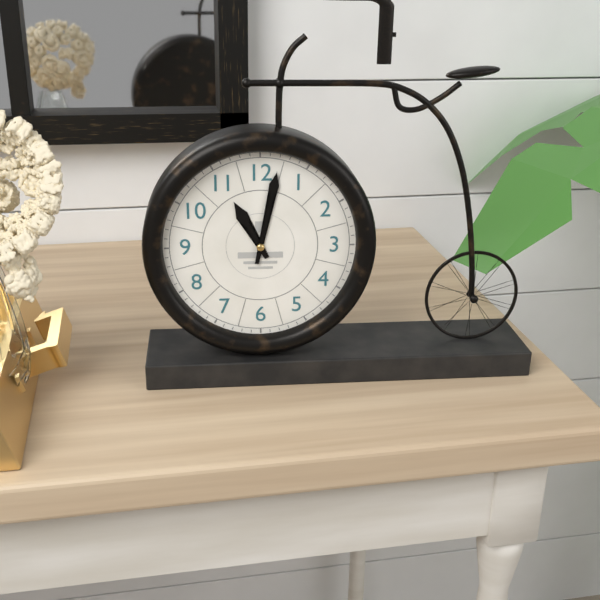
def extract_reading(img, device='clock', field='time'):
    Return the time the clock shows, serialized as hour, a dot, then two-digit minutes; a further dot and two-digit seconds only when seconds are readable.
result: 11.02
